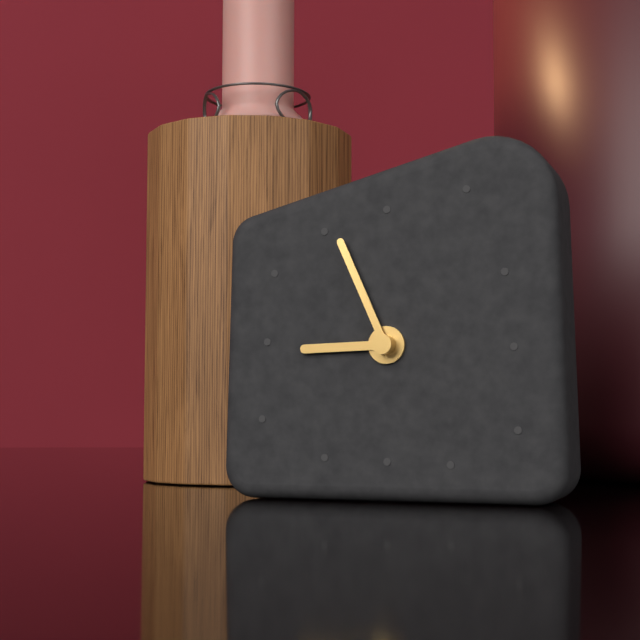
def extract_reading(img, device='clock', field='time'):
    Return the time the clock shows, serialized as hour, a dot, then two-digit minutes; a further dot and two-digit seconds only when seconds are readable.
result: 8.56
